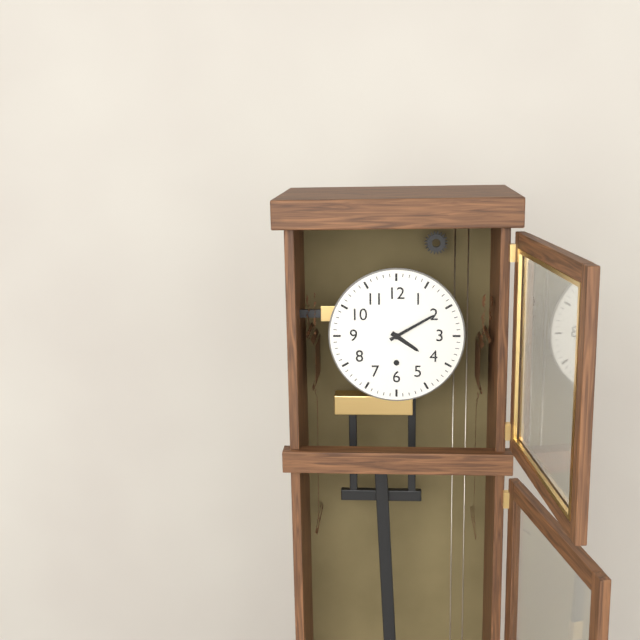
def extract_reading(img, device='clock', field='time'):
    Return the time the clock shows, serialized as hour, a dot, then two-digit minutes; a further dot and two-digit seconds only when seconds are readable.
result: 4.10
